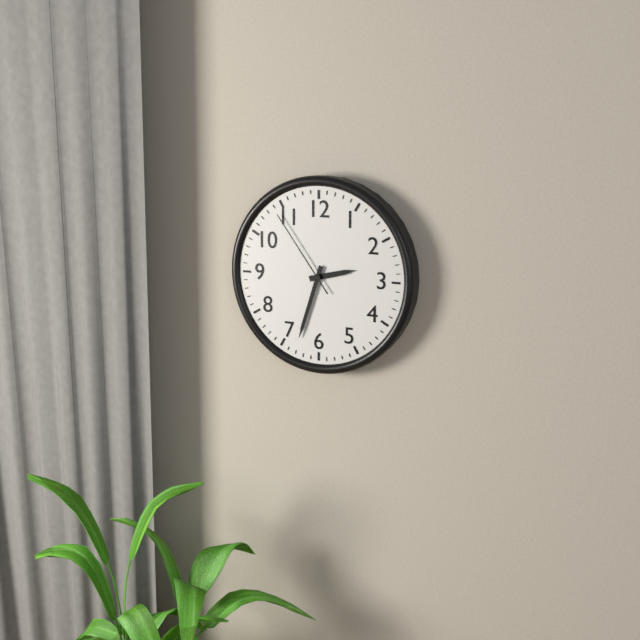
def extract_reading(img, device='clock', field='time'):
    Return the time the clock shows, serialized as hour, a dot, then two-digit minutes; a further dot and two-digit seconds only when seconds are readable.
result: 2.33.54
